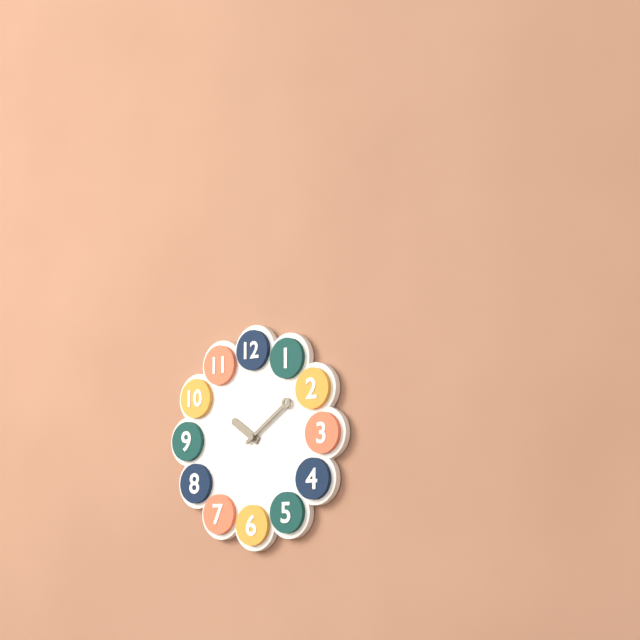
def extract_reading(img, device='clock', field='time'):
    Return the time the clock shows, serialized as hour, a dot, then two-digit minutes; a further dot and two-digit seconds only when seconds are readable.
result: 10.09
